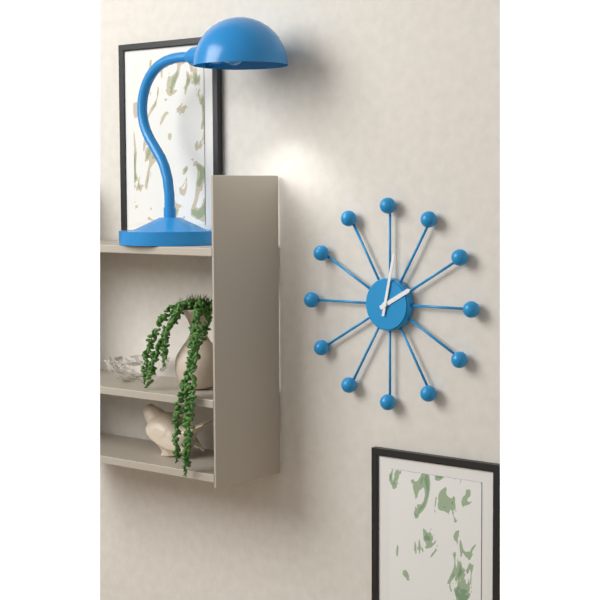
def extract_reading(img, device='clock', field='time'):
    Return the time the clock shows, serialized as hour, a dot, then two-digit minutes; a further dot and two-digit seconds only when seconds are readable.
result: 2.02
